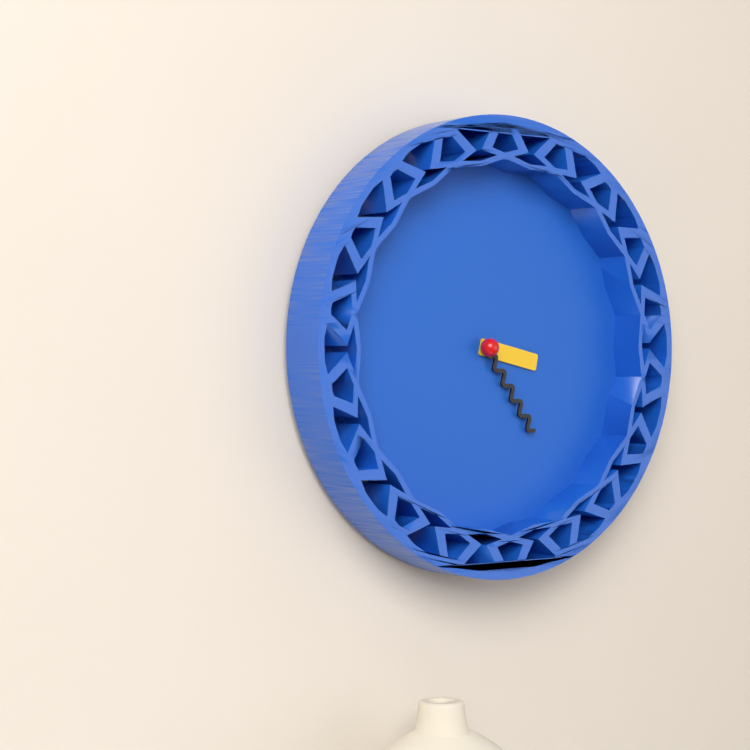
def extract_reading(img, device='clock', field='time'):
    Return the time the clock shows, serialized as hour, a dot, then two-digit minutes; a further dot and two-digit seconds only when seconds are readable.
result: 3.24
